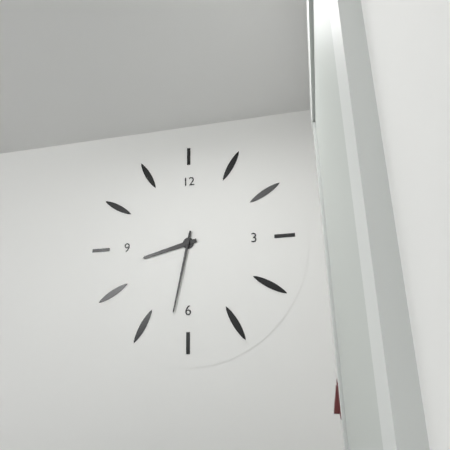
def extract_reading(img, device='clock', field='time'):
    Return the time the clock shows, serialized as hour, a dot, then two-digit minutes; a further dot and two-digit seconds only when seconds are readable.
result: 8.32
